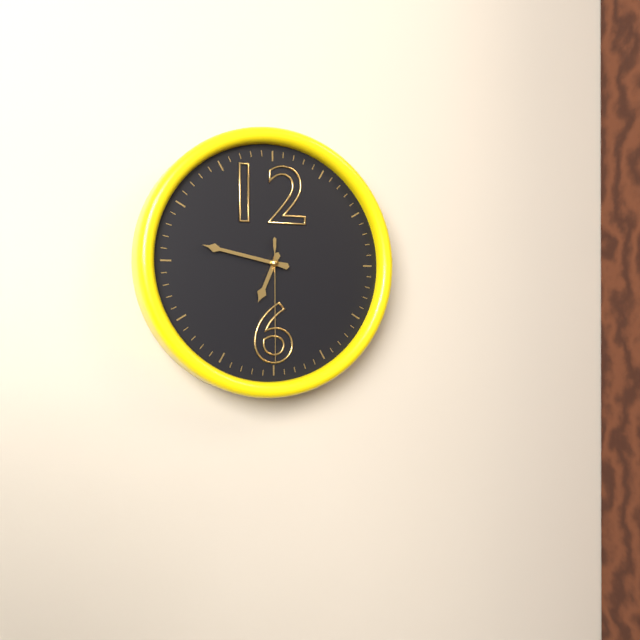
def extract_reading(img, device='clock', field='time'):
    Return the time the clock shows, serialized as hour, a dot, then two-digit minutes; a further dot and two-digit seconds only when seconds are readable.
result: 6.47.30
